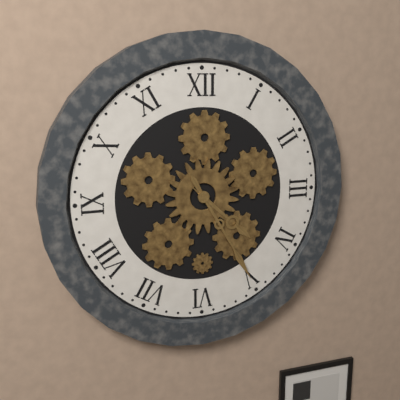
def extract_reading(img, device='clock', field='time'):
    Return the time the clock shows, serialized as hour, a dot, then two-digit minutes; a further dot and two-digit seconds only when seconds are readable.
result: 4.25
